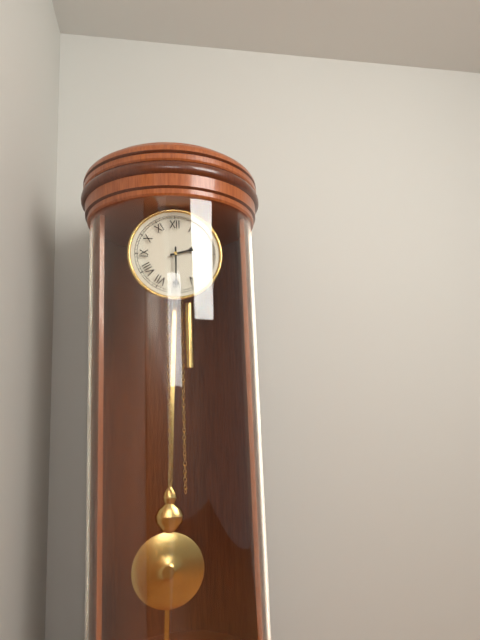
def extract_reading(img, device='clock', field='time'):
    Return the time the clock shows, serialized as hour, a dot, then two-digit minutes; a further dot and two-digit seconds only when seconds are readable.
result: 2.30
